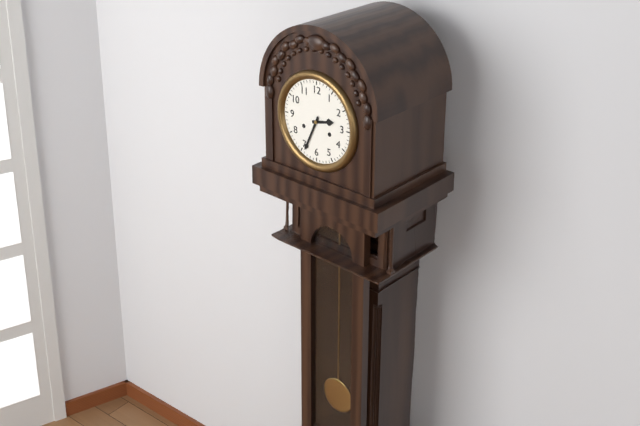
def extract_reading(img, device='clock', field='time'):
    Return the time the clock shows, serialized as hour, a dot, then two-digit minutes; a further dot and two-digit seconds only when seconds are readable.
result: 2.34
